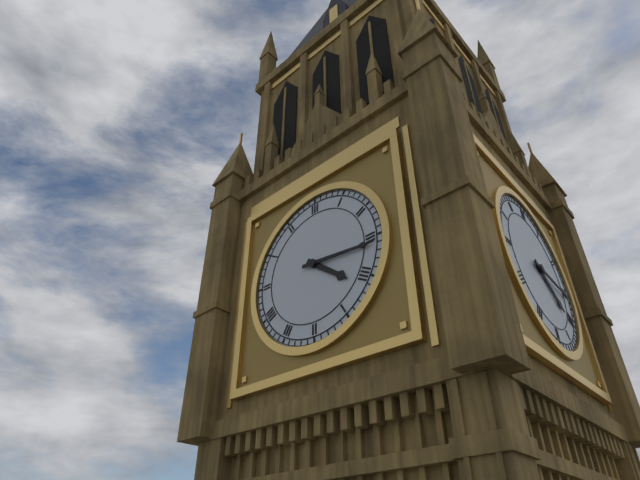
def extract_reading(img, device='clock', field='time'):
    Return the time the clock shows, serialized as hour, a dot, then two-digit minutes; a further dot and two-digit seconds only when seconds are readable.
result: 4.16
